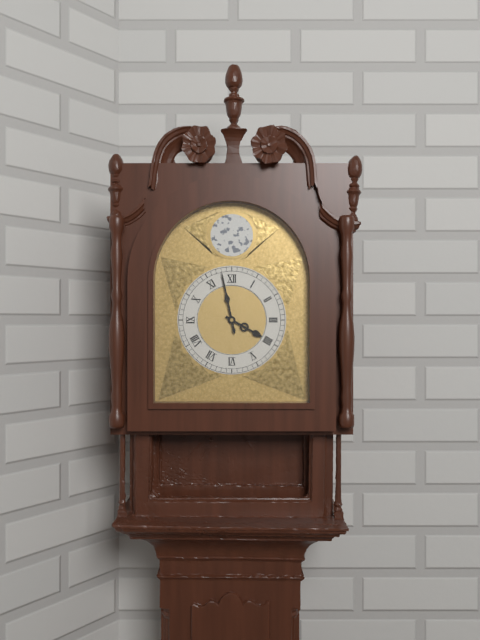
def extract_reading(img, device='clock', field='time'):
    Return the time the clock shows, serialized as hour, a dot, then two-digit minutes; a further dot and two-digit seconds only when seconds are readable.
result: 3.58
